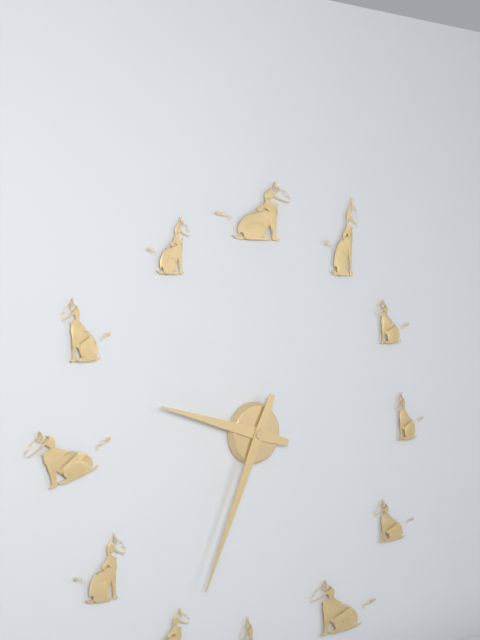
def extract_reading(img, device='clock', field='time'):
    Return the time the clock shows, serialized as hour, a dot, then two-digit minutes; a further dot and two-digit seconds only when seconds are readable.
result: 9.34
